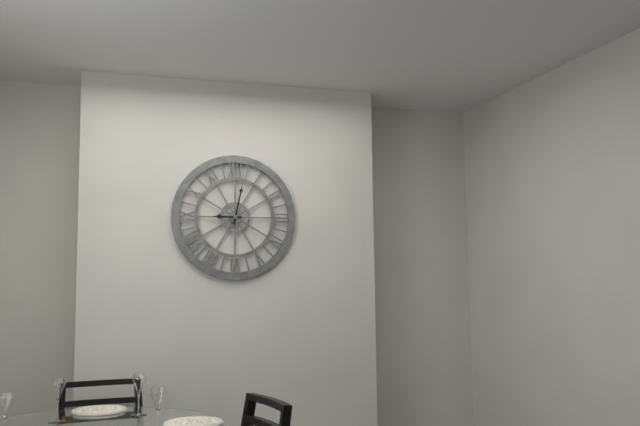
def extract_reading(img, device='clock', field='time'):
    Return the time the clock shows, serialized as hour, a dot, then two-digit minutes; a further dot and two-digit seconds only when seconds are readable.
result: 9.02
